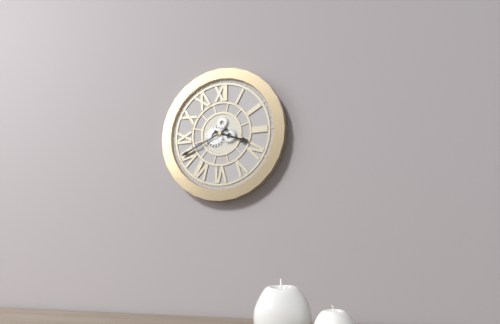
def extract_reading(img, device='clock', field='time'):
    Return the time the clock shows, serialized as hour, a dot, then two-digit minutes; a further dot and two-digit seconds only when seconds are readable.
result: 3.41
